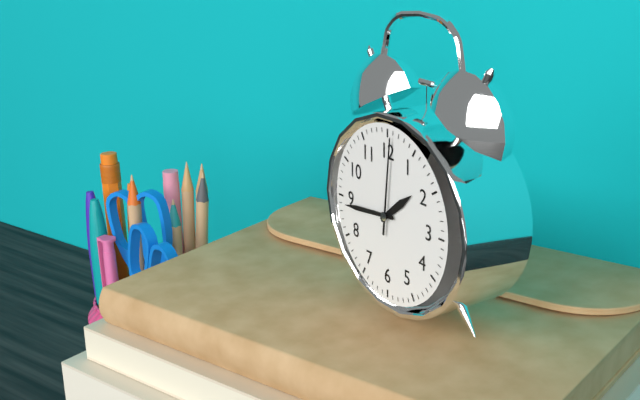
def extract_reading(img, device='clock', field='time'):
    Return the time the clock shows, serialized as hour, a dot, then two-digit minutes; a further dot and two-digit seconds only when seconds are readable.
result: 1.44.01
